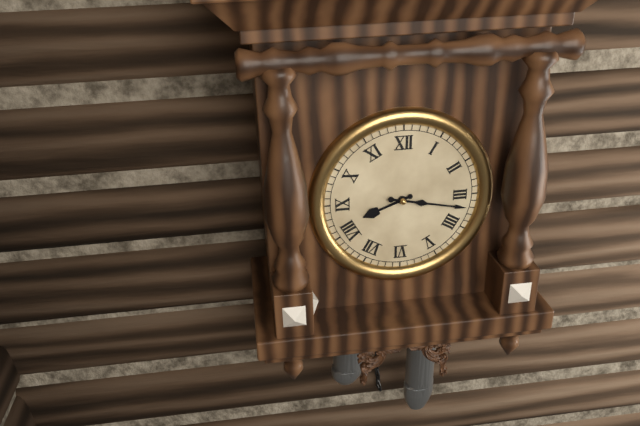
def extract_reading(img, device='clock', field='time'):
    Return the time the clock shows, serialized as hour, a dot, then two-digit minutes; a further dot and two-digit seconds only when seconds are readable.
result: 8.17
